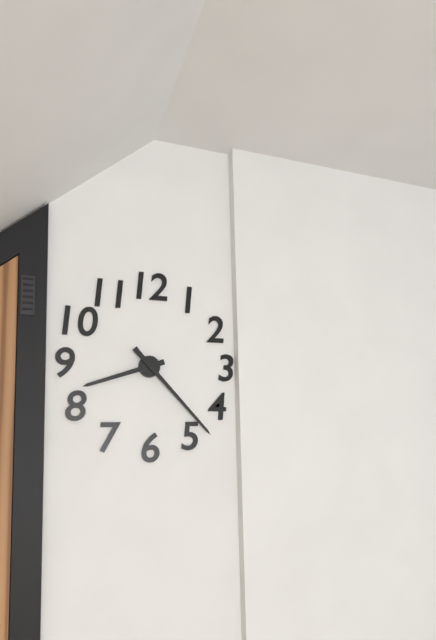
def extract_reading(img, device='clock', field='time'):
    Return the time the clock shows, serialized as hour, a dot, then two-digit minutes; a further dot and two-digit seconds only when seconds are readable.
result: 8.23
